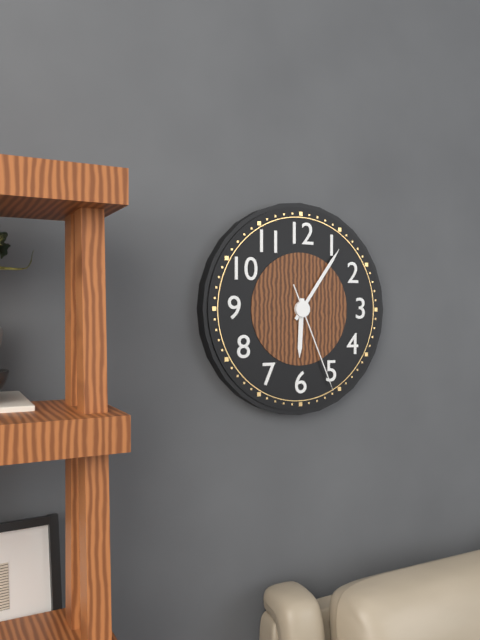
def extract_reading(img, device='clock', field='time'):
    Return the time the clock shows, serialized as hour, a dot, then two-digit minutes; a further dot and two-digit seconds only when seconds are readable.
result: 6.06.26
